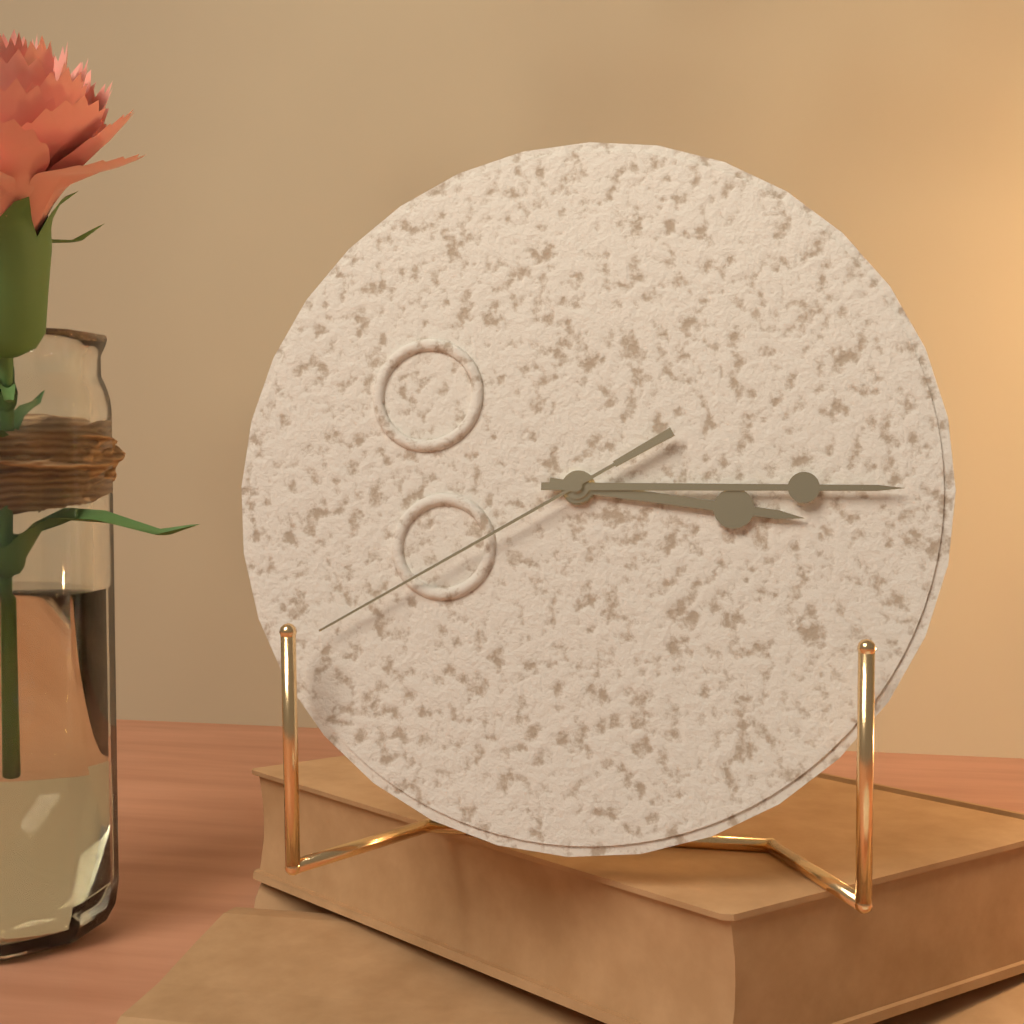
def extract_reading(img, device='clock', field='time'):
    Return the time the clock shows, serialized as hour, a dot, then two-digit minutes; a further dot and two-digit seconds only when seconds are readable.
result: 3.15.40
